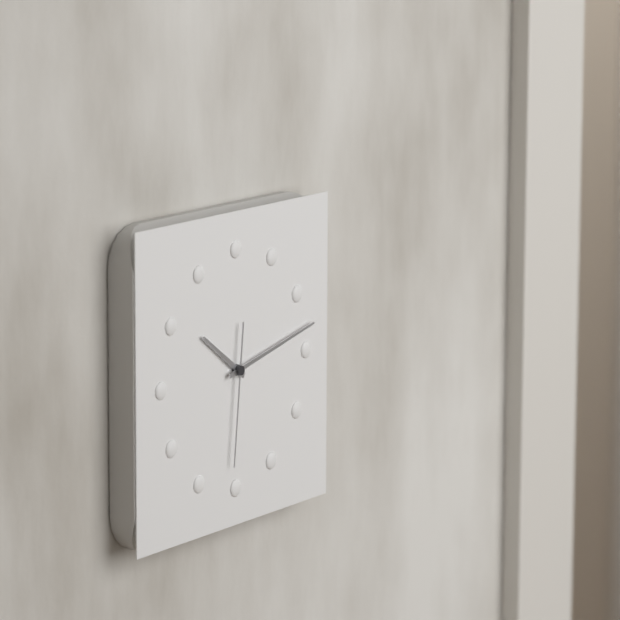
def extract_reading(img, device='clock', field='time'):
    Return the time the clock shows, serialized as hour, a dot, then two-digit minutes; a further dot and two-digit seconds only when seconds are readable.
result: 10.13.31
